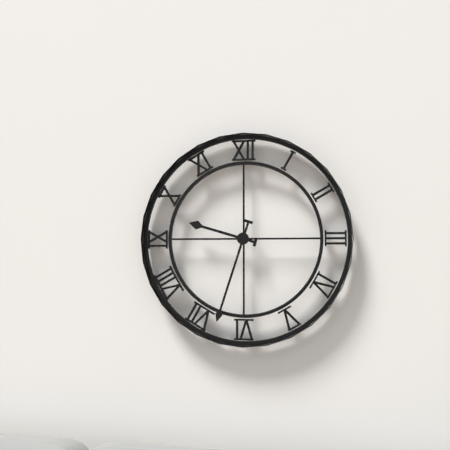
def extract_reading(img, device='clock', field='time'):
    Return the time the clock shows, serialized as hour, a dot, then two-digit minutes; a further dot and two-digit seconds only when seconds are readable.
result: 9.33
